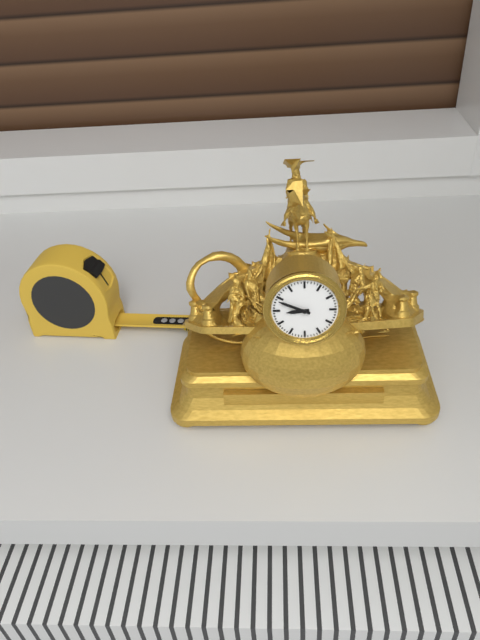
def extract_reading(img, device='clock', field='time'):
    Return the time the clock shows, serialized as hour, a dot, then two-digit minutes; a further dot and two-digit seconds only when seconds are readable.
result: 8.49
